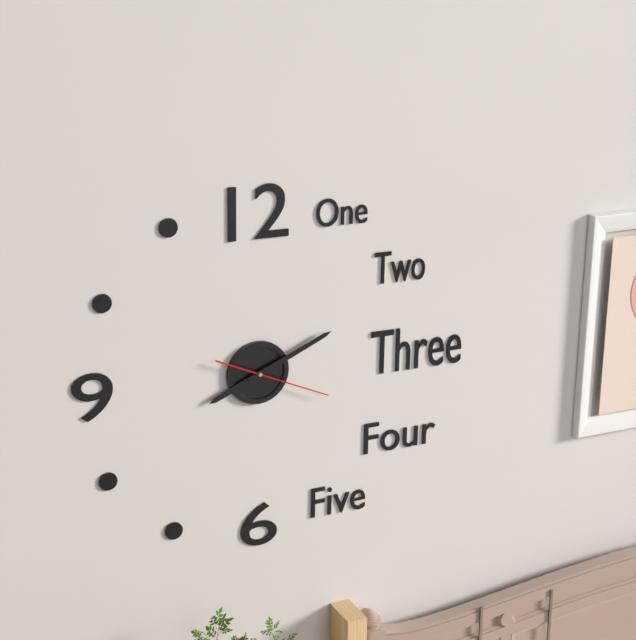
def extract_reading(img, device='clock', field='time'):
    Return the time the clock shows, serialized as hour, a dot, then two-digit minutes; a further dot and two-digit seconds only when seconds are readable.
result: 8.11.19
